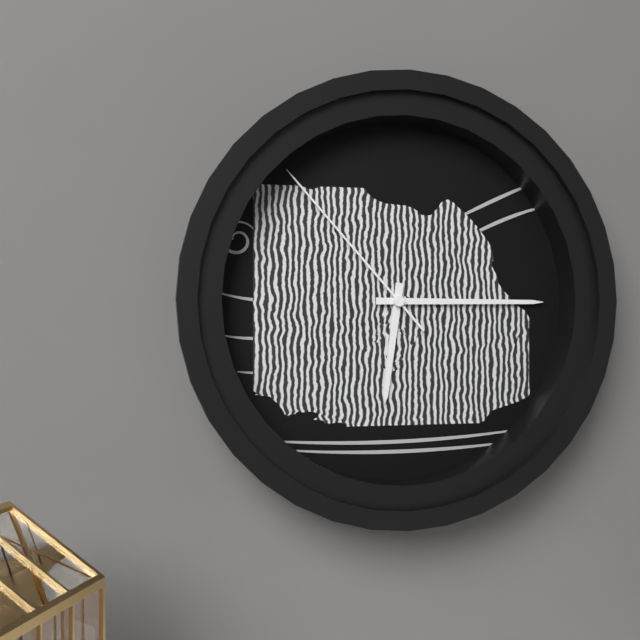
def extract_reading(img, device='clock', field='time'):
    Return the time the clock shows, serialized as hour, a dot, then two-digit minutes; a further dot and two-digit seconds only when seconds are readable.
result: 6.15.53
